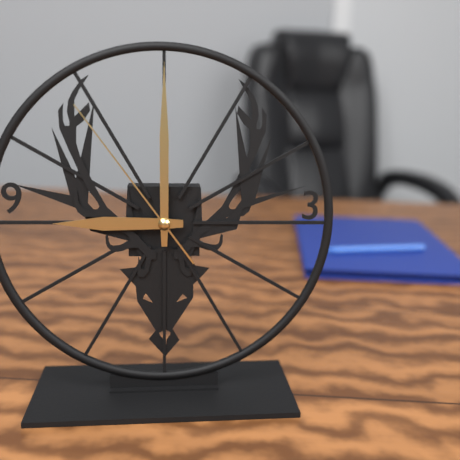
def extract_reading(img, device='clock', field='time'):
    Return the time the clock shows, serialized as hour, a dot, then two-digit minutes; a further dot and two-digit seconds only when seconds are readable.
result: 9.00.54
